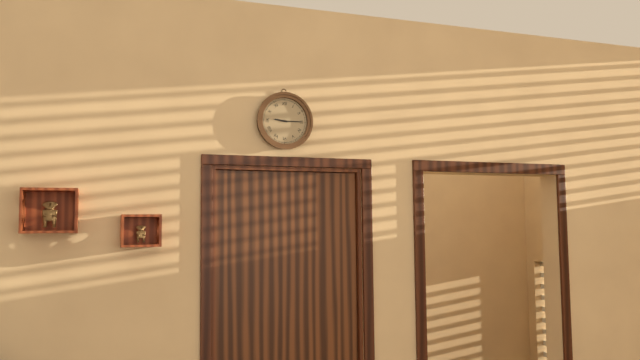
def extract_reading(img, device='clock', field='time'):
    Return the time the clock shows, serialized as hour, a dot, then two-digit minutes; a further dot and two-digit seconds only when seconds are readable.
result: 9.15
